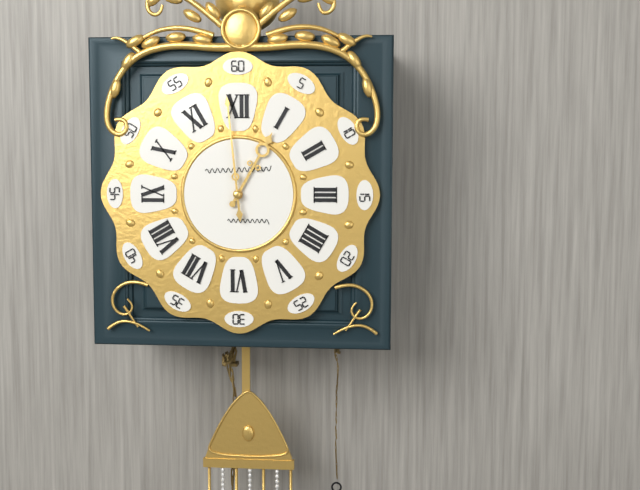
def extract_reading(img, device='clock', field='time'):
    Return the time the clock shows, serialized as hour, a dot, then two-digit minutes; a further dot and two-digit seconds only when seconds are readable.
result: 12.59
